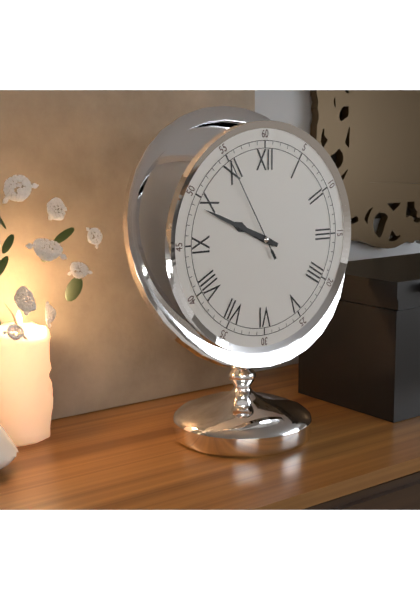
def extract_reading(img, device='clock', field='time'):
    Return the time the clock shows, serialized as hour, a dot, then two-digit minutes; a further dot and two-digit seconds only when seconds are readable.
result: 9.49.55
